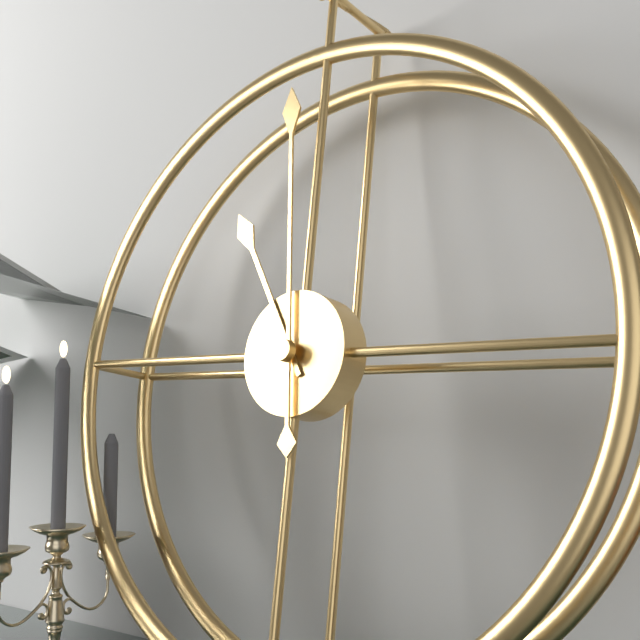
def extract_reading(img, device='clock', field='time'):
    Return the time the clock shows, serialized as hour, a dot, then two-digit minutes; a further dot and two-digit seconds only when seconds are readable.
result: 10.59
